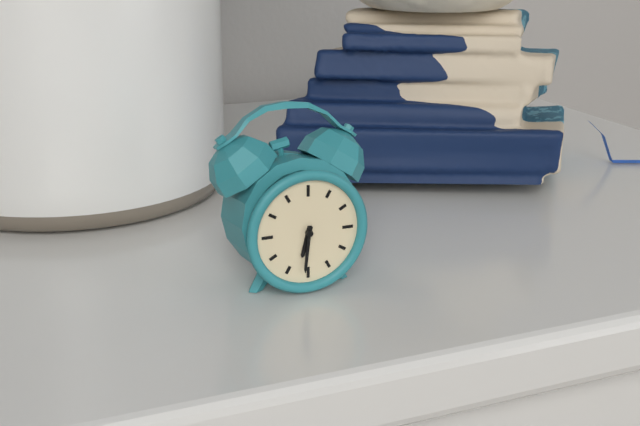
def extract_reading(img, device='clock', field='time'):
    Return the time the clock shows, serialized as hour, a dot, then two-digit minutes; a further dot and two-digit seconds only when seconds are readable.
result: 6.31
